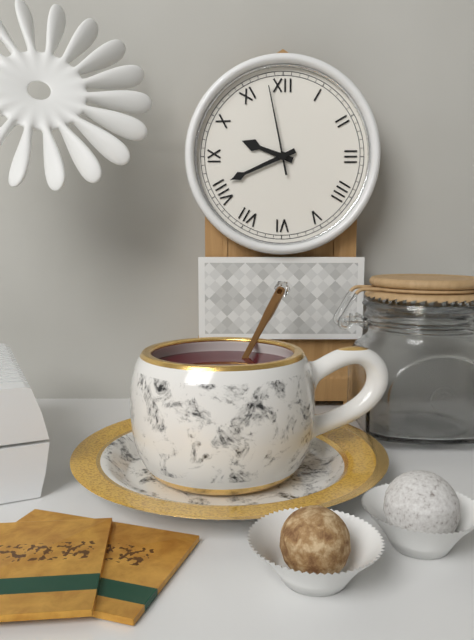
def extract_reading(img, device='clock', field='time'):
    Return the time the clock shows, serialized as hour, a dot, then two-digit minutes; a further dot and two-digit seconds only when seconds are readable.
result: 9.41.58
